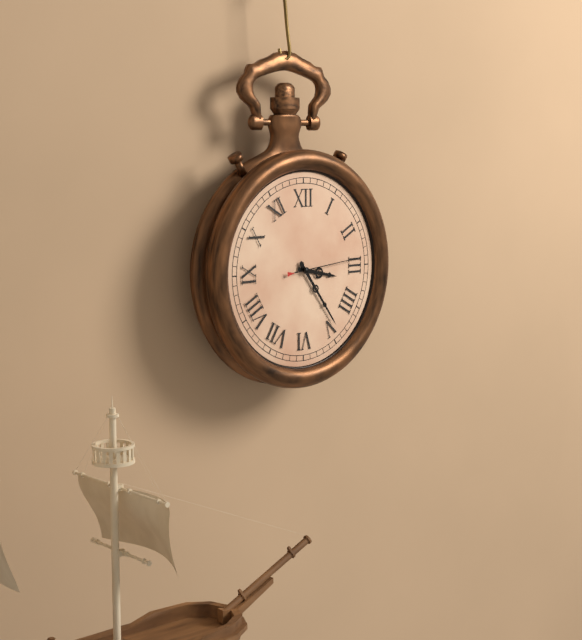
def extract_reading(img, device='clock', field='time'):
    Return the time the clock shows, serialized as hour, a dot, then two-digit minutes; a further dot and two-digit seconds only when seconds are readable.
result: 3.24.14
